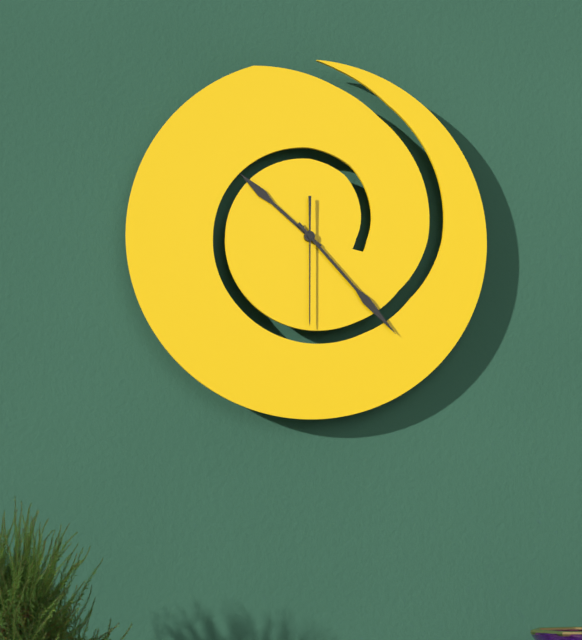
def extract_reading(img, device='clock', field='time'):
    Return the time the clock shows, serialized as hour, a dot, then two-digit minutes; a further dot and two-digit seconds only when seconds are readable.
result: 10.23.30
